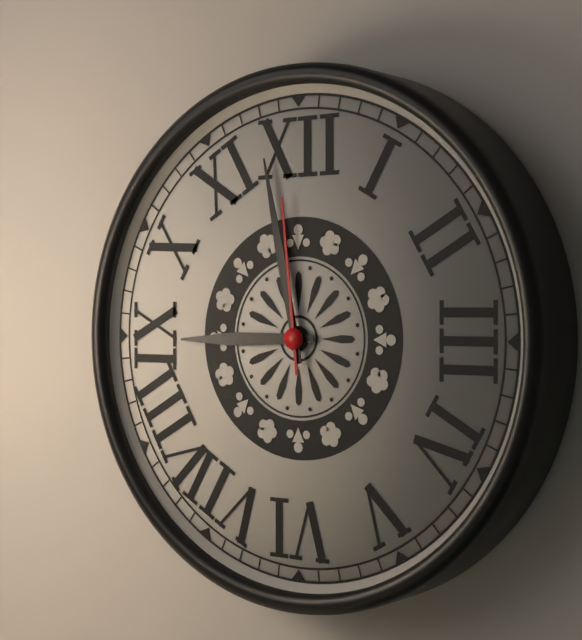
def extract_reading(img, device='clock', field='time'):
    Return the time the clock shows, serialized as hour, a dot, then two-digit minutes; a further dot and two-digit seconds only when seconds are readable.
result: 8.58.59
